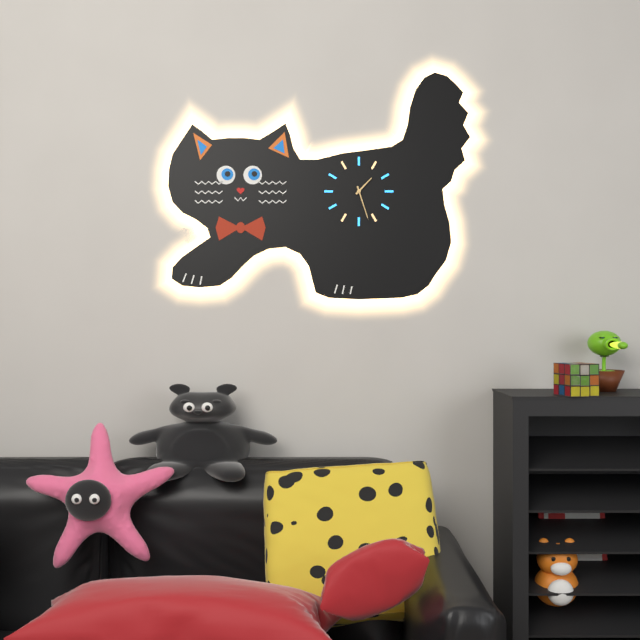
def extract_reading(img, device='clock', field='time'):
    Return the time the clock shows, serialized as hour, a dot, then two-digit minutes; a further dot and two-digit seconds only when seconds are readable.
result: 1.27
